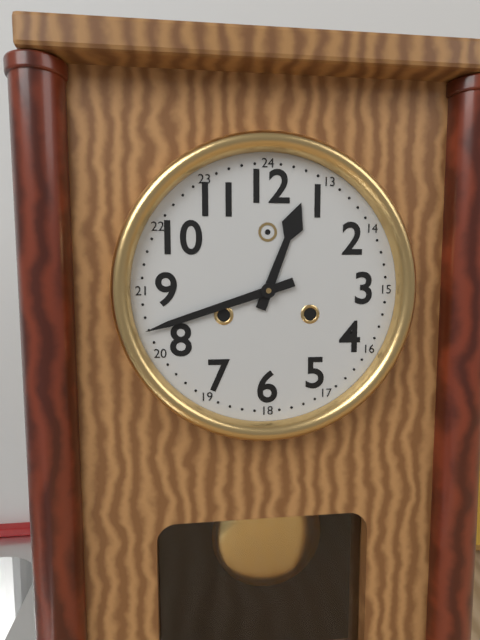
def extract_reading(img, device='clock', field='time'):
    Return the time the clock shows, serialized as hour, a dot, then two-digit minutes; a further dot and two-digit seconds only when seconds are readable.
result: 12.42
